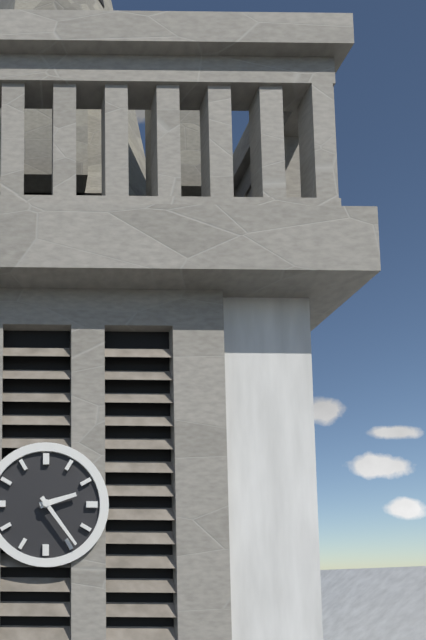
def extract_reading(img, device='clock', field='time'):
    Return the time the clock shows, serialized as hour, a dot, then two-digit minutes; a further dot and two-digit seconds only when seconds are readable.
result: 2.24
